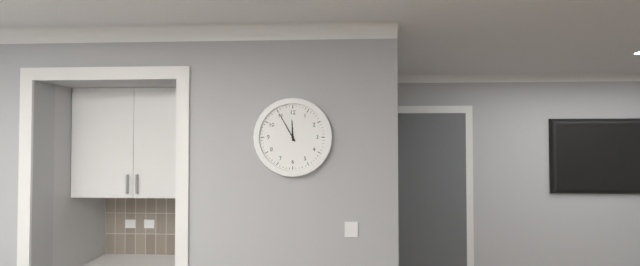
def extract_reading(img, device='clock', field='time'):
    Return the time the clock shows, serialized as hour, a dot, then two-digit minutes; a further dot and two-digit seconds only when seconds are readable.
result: 11.55
